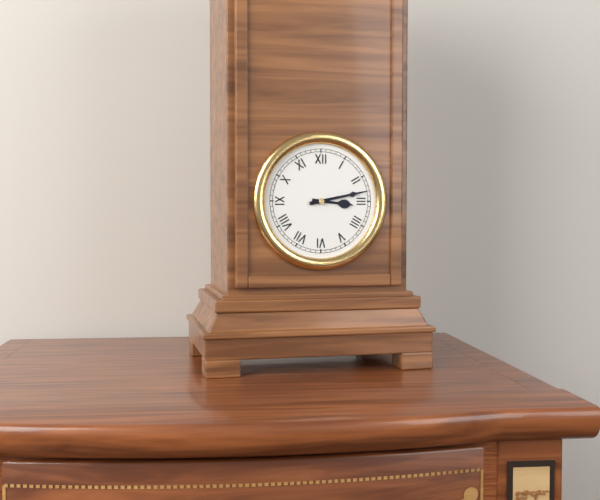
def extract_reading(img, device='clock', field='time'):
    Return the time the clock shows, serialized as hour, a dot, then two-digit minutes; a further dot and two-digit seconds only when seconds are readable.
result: 3.13
